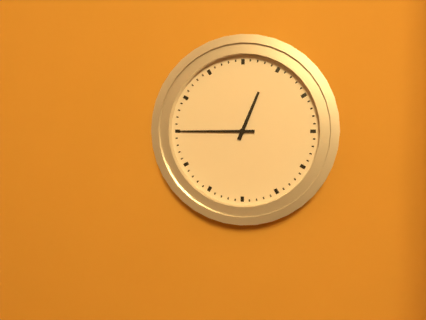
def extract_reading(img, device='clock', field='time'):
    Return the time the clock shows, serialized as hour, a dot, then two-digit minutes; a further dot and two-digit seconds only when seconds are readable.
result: 12.45
